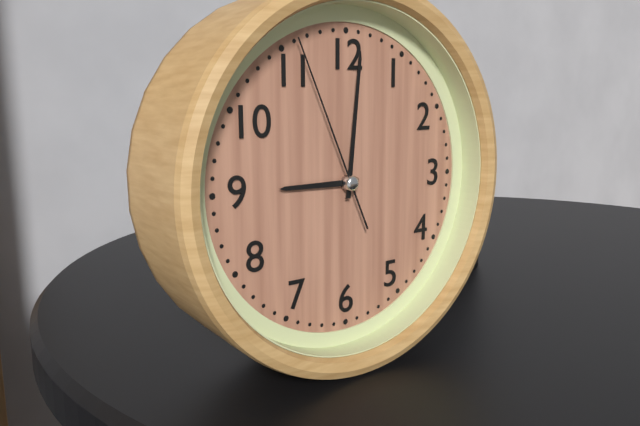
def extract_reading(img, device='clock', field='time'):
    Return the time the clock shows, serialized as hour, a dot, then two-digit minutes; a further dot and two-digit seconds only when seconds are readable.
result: 9.01.56
